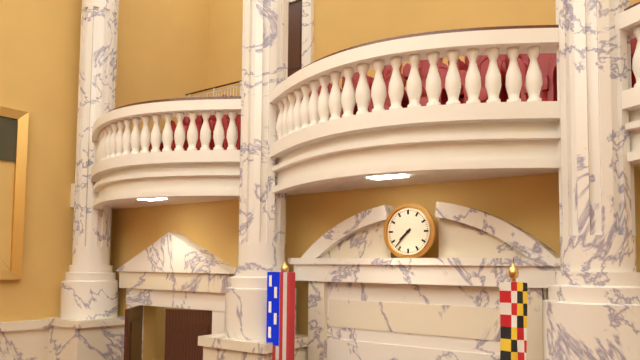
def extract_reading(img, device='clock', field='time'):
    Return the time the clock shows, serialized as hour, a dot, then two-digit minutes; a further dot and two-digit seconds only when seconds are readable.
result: 7.37
